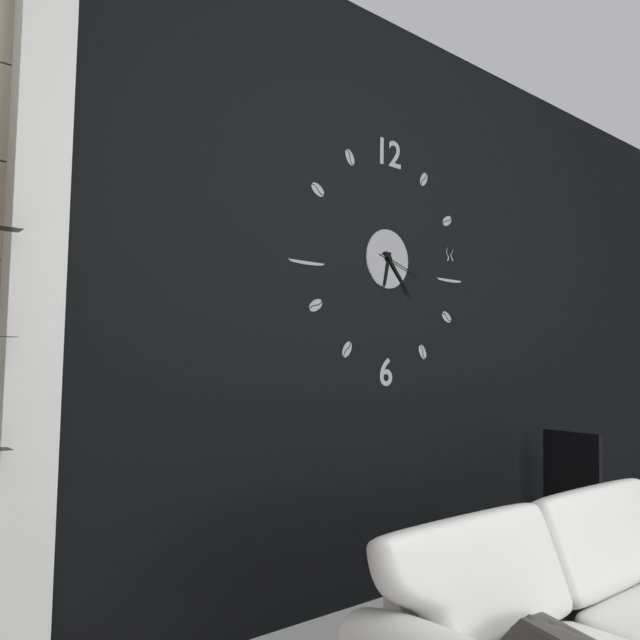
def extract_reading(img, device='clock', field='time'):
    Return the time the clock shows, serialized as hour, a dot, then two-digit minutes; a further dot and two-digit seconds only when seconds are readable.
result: 6.23
